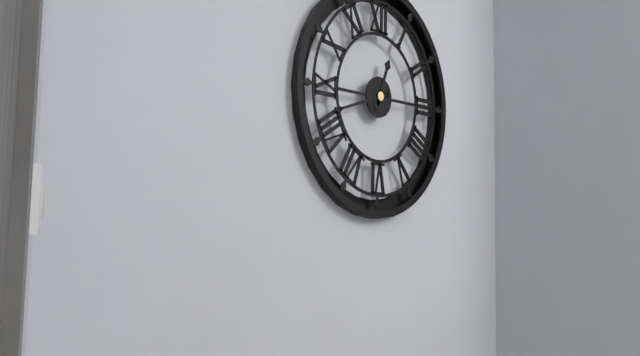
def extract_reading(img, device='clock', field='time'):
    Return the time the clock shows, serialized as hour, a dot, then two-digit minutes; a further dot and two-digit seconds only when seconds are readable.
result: 12.42
